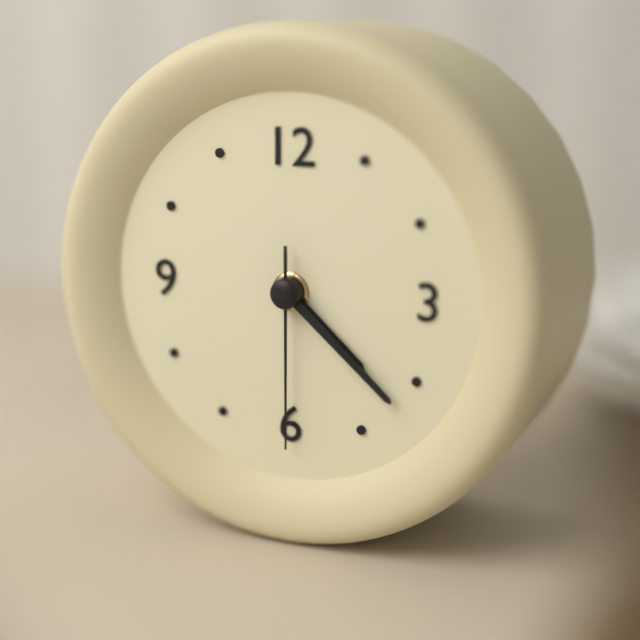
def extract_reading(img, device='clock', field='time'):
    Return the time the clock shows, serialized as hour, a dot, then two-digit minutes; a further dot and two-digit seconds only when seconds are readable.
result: 4.22.30
